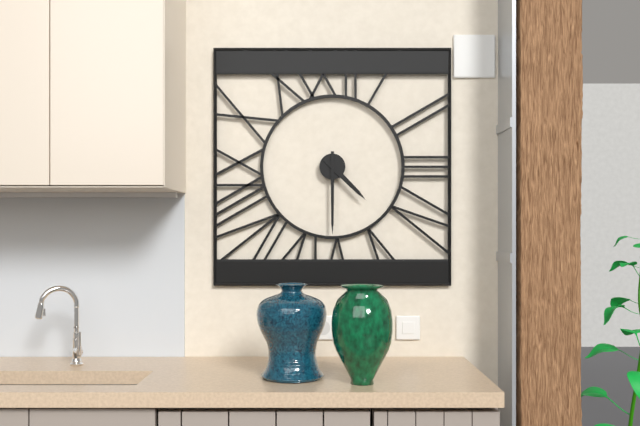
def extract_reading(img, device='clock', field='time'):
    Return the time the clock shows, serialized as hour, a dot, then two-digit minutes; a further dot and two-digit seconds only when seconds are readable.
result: 4.30
